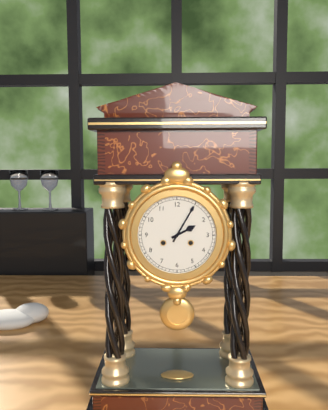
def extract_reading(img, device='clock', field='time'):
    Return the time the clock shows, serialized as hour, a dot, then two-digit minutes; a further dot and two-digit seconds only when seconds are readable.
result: 2.05
